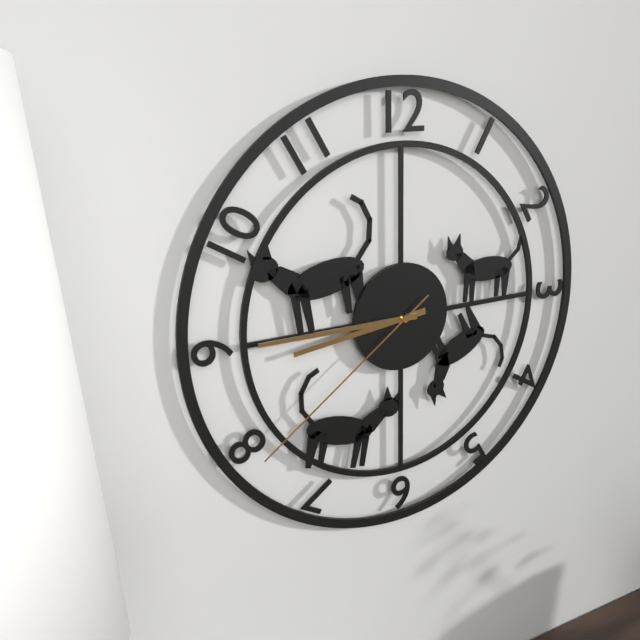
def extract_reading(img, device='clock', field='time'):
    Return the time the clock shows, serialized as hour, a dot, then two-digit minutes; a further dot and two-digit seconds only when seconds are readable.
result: 8.45.39
